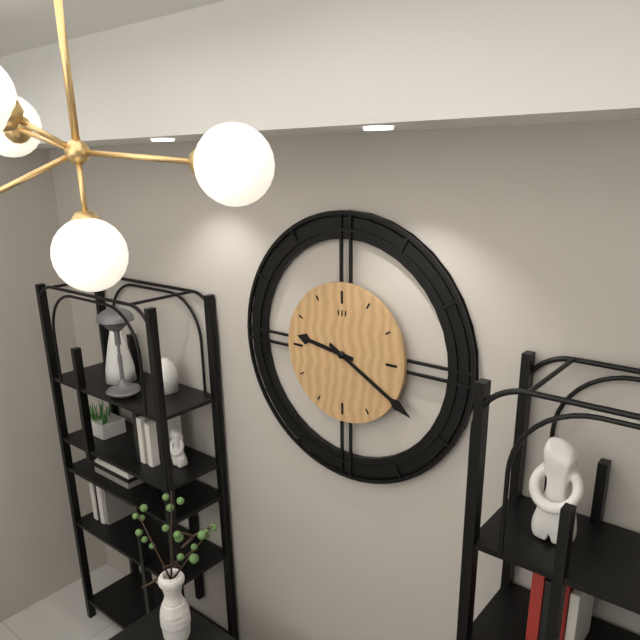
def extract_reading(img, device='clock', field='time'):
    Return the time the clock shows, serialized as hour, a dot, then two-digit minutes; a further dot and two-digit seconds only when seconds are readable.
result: 9.20
